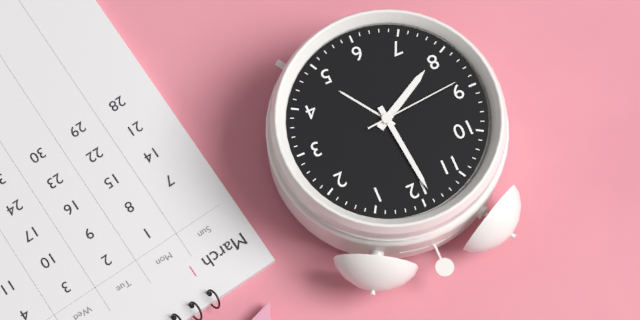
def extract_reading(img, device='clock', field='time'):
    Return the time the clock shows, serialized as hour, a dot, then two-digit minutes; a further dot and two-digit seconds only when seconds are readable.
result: 7.59.44
